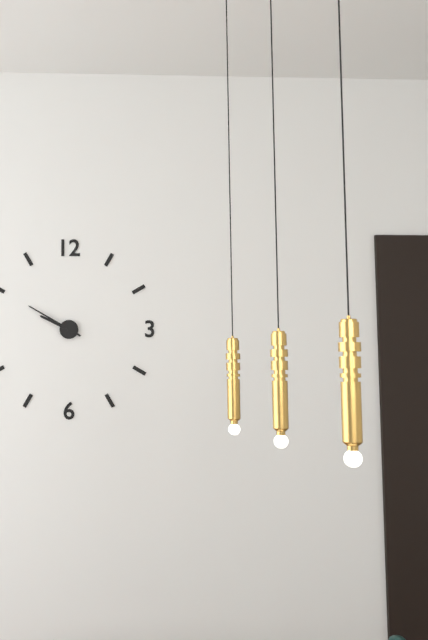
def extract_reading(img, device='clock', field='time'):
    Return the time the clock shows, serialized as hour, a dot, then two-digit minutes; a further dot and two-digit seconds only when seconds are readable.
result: 9.50
